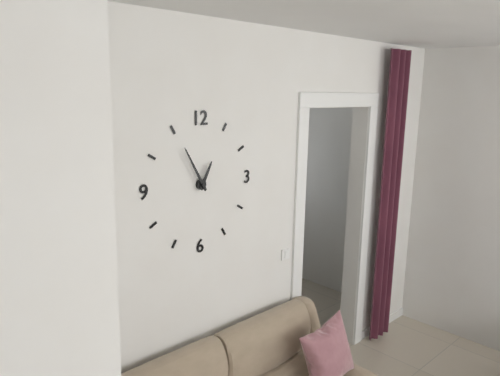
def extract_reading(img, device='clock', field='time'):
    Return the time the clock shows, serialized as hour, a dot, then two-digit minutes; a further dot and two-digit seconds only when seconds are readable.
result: 12.55
